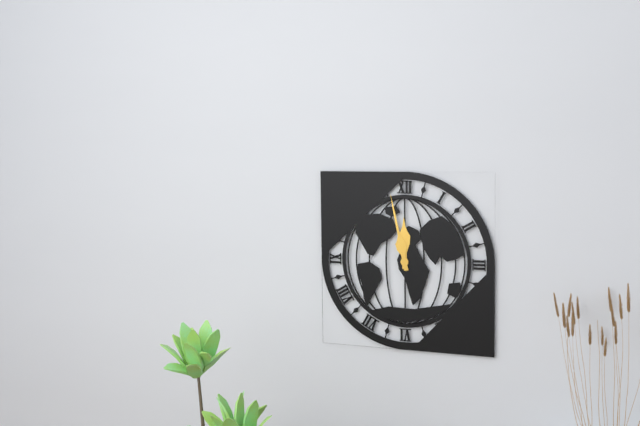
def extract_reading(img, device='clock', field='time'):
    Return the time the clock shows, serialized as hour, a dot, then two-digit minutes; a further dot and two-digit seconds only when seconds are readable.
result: 11.58
